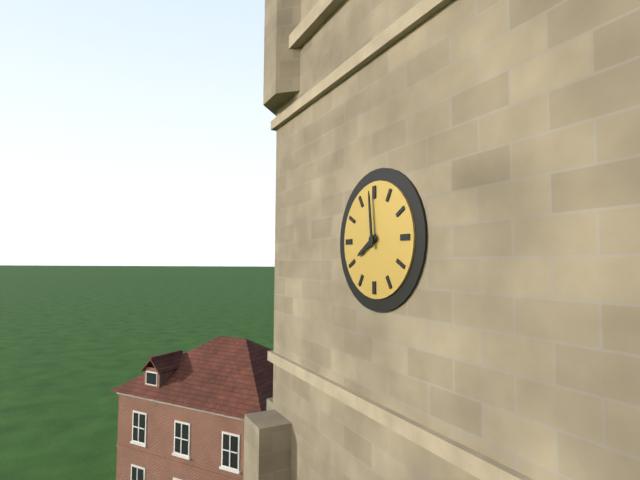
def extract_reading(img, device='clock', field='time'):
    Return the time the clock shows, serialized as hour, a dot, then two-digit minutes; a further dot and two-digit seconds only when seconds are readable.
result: 7.59
